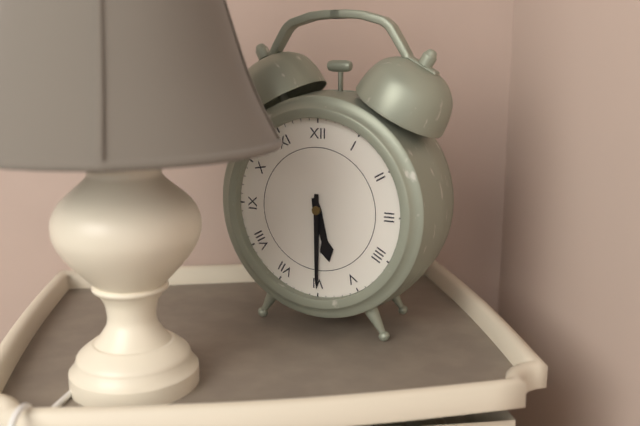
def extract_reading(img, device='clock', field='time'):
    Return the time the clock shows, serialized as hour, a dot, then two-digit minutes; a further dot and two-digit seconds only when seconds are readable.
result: 5.30
